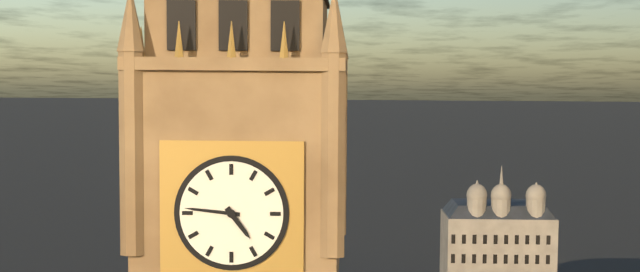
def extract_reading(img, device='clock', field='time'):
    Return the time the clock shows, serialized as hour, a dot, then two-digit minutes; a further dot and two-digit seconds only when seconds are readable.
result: 4.46
